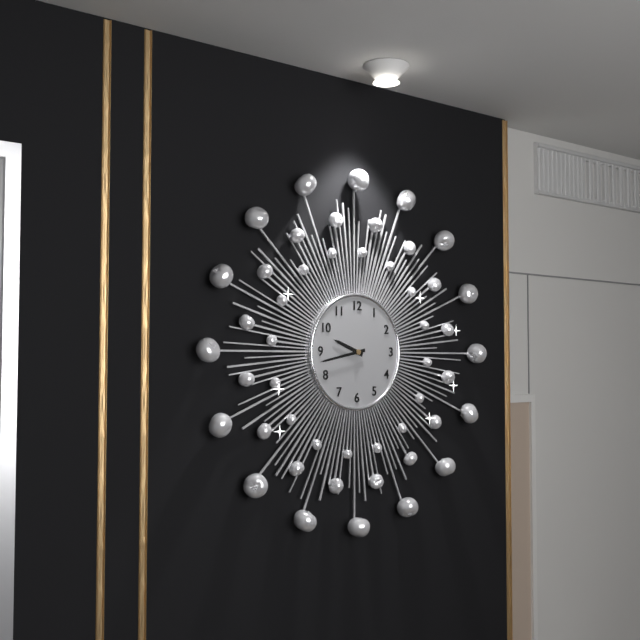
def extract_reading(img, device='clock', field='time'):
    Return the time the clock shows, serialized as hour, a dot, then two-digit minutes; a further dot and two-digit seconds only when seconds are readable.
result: 9.43
